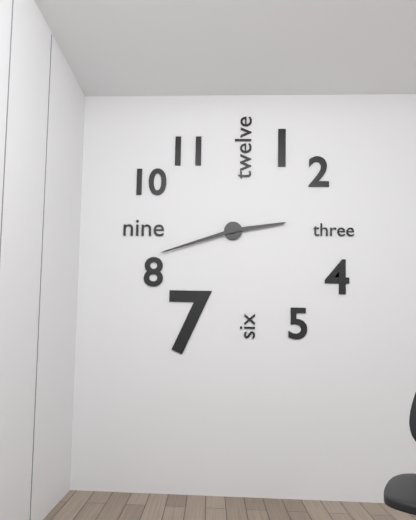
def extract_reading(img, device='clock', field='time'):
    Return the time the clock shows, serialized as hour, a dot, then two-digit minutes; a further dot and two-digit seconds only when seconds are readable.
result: 2.42
